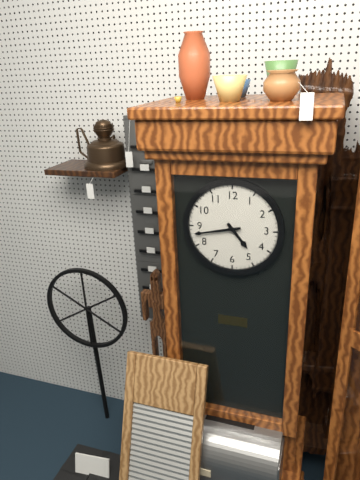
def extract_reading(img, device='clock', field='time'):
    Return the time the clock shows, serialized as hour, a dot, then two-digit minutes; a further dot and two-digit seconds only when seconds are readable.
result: 4.43
